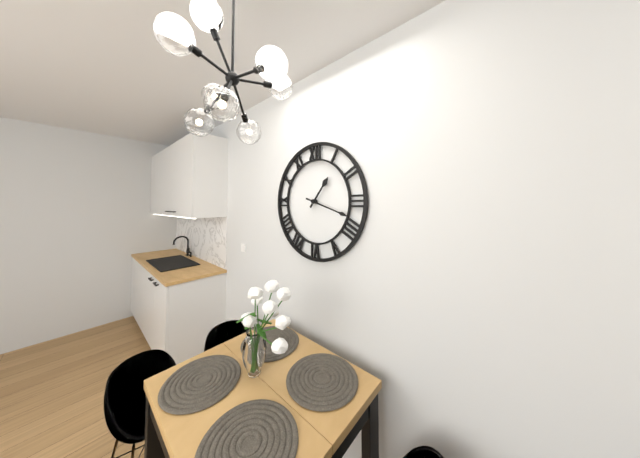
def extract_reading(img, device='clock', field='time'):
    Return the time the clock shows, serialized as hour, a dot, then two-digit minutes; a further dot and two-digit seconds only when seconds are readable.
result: 1.18
